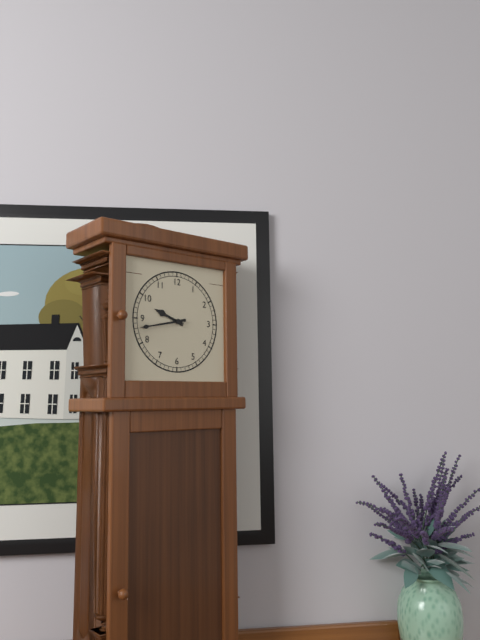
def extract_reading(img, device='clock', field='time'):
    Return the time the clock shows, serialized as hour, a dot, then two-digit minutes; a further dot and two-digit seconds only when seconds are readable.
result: 9.43
